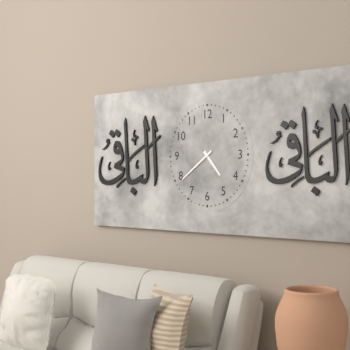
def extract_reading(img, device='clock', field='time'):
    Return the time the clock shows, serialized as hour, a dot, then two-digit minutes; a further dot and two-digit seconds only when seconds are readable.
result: 4.39
